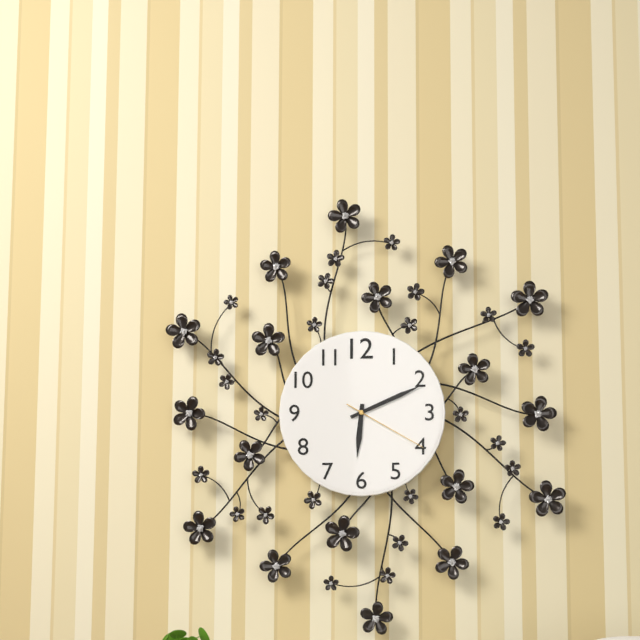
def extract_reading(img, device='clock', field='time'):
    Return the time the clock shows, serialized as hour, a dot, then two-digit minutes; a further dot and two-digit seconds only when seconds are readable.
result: 6.11.20
